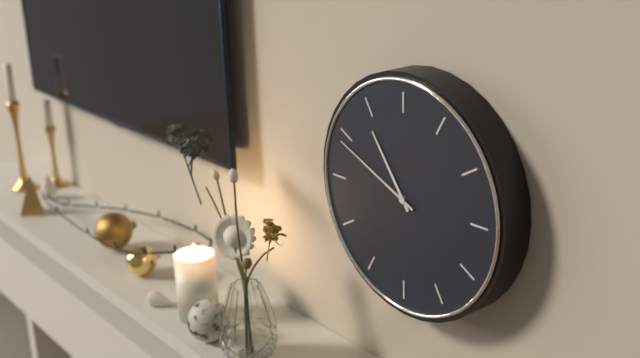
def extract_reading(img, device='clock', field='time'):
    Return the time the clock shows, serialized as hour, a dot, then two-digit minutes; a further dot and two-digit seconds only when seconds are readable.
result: 10.49
